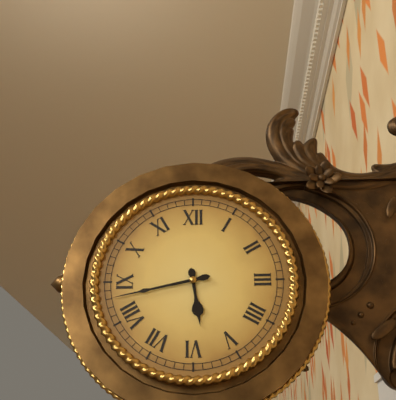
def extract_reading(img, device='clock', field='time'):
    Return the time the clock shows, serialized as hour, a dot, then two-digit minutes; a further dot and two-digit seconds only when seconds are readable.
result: 5.43
